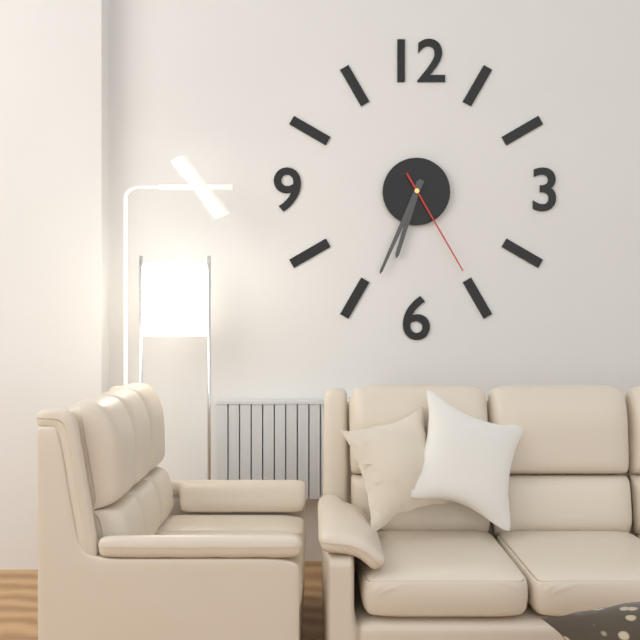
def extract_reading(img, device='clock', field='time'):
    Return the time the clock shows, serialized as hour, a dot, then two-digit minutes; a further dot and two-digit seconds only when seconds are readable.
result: 6.34.25
